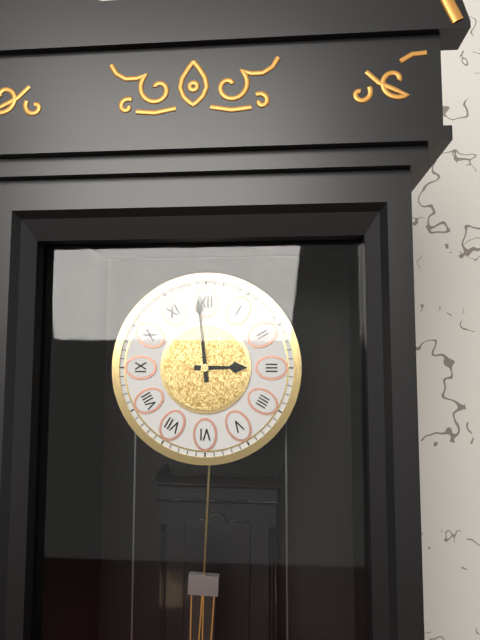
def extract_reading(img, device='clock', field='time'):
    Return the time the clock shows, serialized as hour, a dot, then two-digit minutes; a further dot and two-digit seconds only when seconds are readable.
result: 2.59
